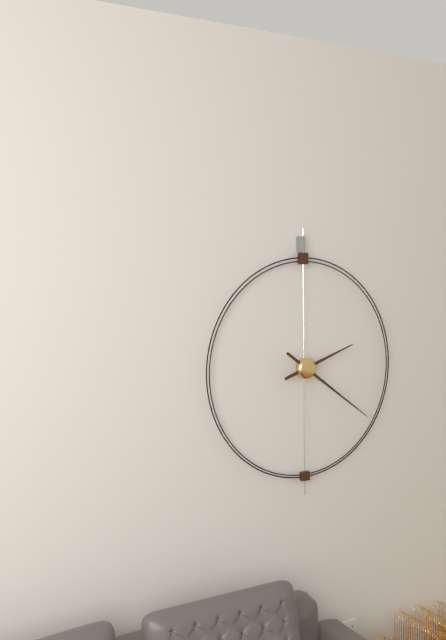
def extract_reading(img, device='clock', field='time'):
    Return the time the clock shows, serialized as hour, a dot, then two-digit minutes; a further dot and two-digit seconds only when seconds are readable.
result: 2.21
